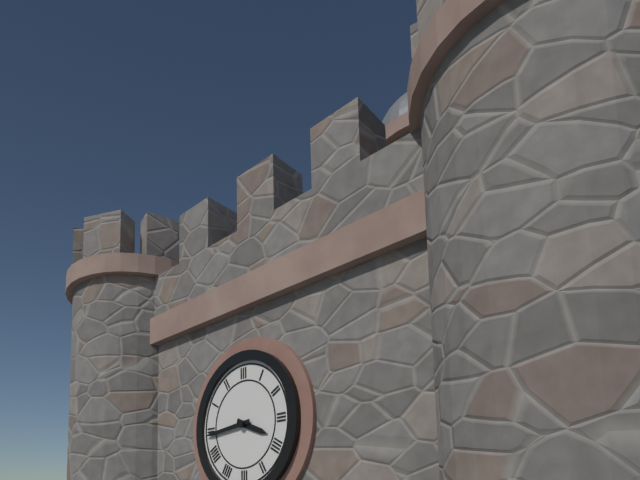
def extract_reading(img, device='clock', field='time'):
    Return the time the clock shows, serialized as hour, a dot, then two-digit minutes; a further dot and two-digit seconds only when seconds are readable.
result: 3.44
